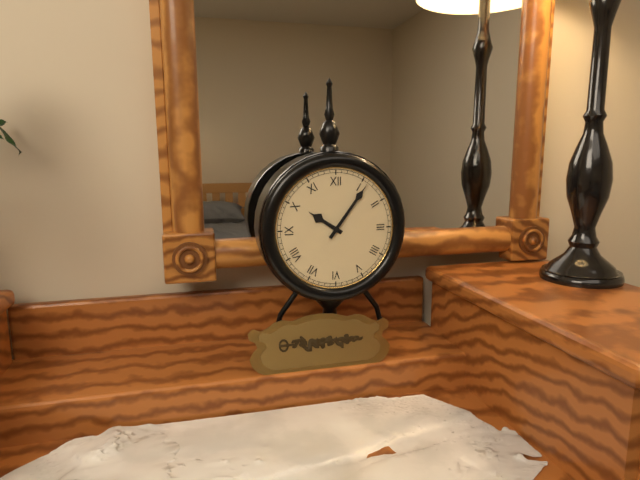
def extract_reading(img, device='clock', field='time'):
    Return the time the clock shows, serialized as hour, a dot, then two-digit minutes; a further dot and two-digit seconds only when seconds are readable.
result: 10.06
